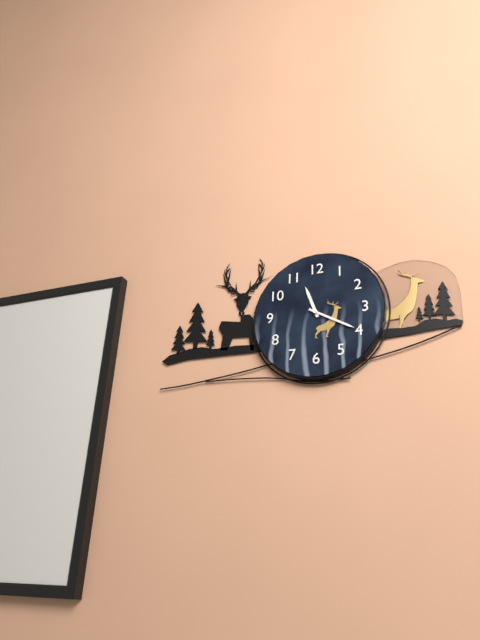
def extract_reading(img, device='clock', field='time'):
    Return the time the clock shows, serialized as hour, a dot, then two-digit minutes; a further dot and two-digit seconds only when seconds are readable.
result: 11.20
